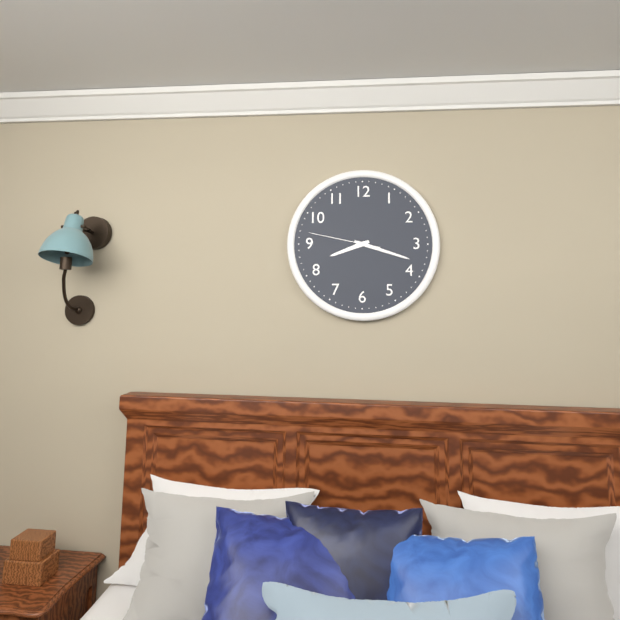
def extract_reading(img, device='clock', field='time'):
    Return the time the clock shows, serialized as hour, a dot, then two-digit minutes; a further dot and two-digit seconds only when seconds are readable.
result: 8.18.47
